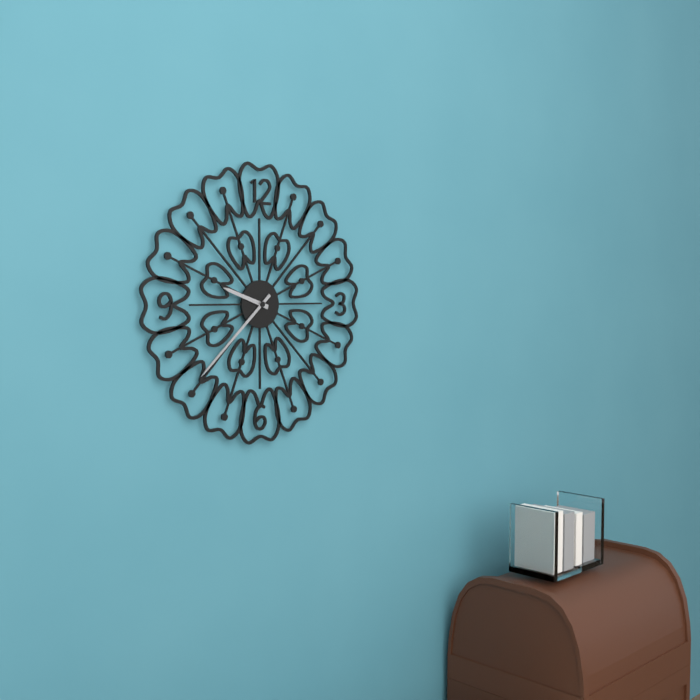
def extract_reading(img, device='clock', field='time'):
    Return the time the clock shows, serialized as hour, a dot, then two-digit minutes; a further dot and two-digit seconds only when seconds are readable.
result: 9.38
